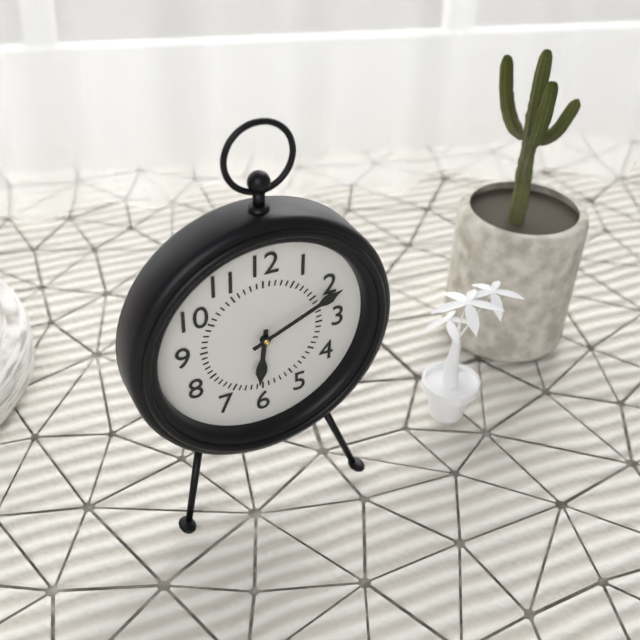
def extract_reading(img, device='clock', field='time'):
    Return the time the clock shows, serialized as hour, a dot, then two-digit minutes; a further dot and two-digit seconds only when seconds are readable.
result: 6.11
